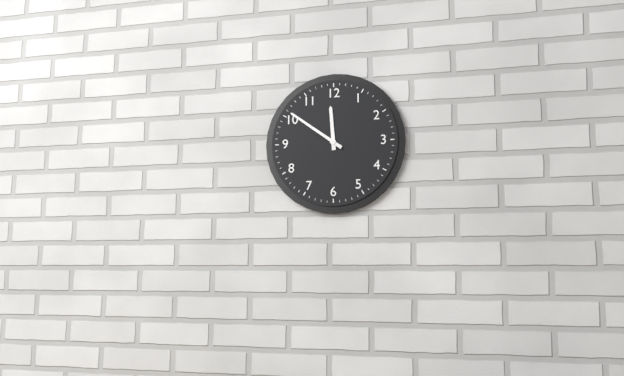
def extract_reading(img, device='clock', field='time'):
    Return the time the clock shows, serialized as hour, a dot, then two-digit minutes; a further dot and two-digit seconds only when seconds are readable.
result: 11.51
